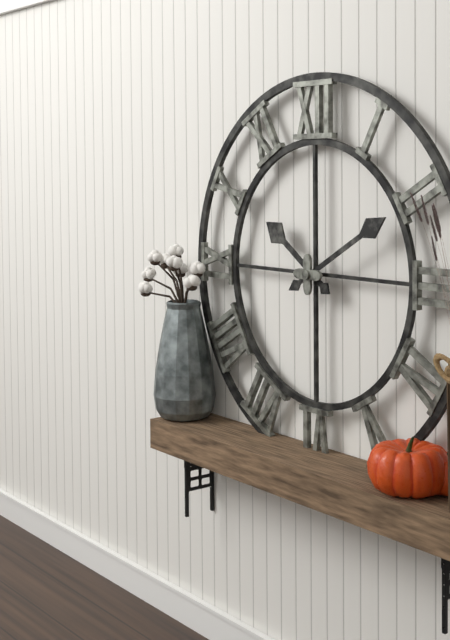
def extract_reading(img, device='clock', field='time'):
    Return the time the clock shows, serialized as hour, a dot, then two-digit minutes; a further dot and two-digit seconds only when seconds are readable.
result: 10.10
